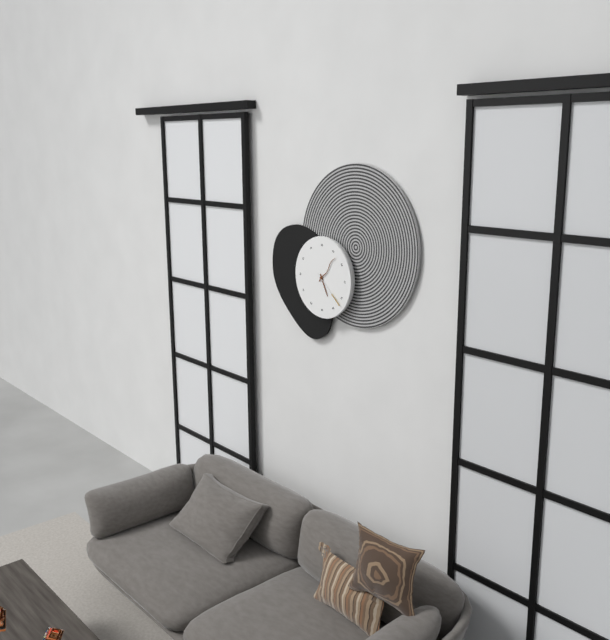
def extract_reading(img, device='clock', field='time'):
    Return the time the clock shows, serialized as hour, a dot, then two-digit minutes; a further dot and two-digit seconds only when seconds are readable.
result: 5.07
